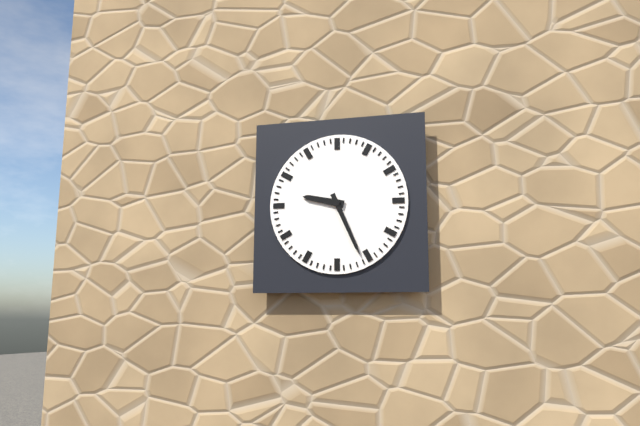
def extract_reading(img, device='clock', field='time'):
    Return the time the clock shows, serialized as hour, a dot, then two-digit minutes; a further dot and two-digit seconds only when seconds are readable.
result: 9.26
